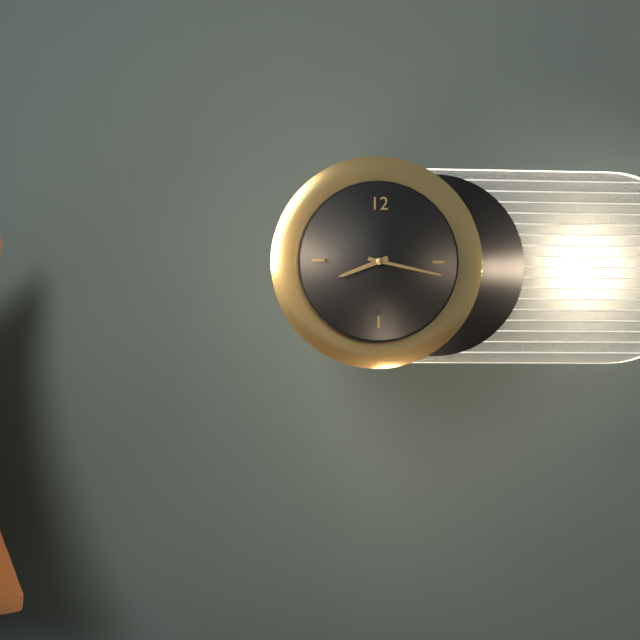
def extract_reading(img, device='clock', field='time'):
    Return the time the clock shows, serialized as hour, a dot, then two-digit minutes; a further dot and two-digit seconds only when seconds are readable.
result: 8.17
